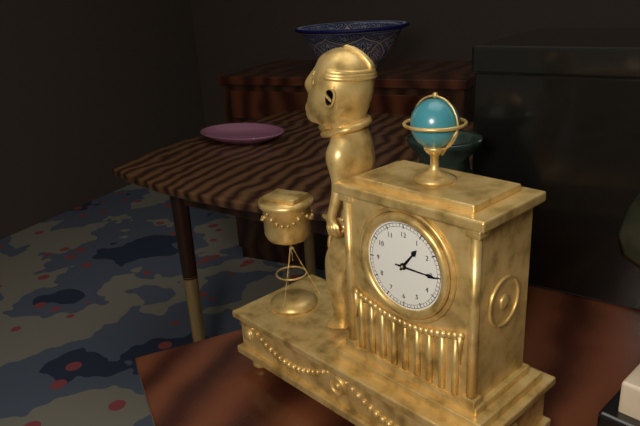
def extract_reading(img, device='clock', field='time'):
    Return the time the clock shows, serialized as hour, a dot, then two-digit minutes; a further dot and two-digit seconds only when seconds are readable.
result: 1.15
